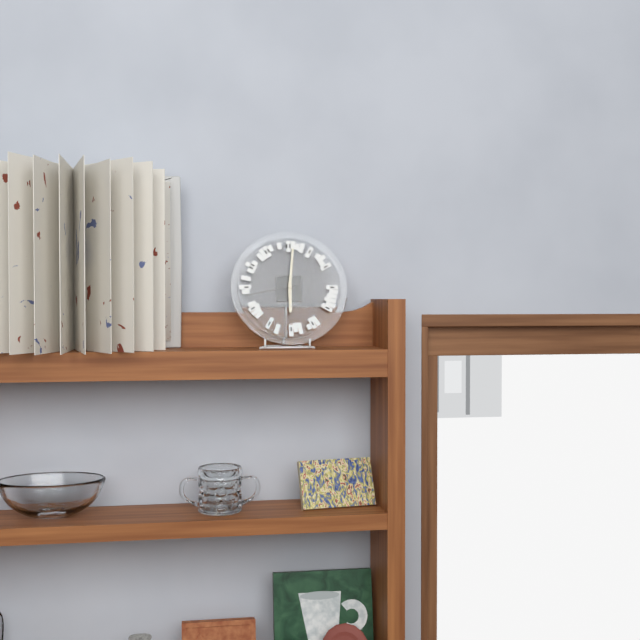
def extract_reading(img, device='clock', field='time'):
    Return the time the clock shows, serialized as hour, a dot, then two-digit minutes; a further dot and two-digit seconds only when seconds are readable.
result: 6.01.43
